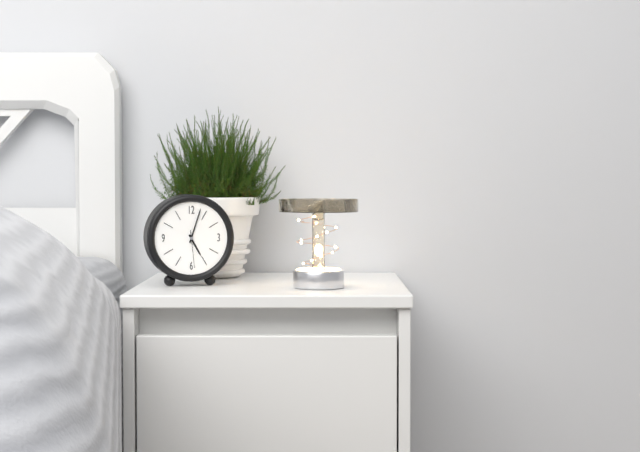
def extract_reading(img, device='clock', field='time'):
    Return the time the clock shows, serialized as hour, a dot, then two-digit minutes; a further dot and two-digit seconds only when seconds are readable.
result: 5.03
